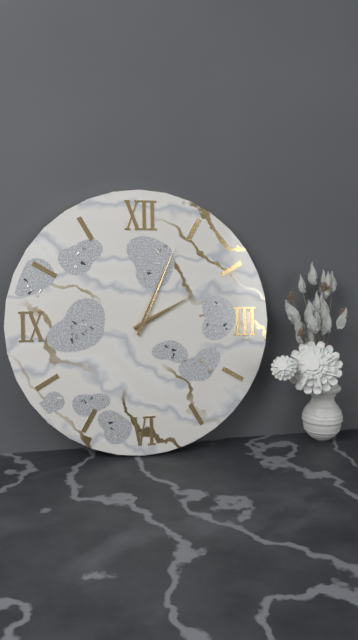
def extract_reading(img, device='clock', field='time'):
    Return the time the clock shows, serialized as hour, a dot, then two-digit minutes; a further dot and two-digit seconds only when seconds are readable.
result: 2.04
